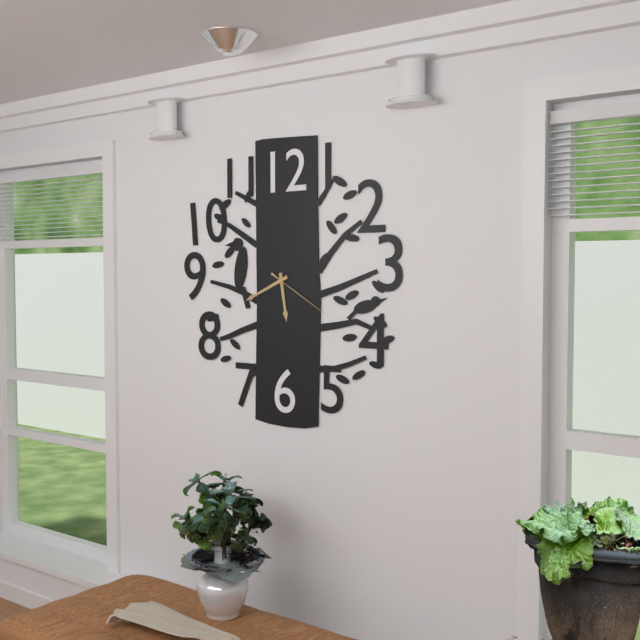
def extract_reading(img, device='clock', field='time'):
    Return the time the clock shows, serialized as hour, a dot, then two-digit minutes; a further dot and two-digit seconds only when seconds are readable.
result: 5.41.20
